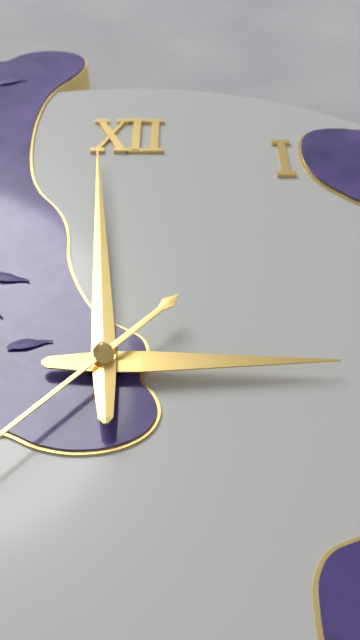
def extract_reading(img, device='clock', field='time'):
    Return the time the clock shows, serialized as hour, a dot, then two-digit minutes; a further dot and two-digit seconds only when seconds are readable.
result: 2.59
